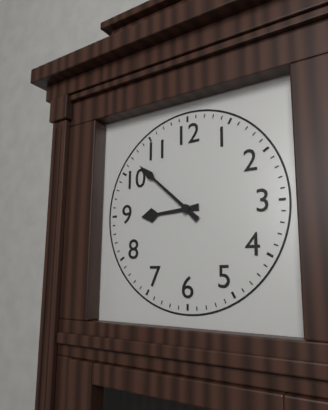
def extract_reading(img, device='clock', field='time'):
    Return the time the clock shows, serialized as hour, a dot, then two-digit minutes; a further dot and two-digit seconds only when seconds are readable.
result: 8.52
